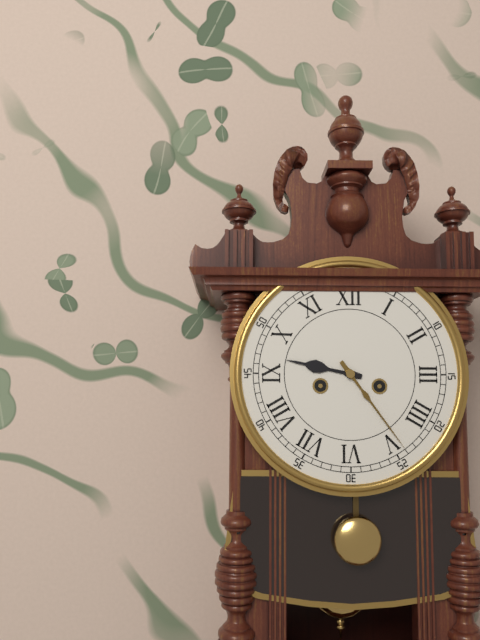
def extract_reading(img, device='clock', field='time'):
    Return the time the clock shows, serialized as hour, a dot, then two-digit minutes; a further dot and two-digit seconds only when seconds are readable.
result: 9.24
